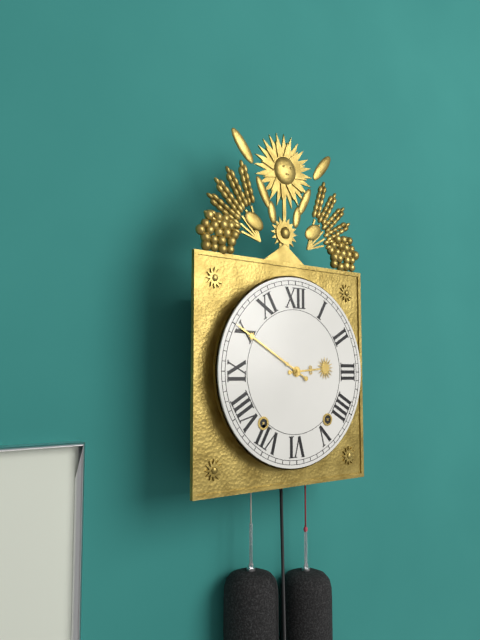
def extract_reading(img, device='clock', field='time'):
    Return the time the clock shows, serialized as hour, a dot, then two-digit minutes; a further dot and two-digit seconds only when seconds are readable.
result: 2.50
